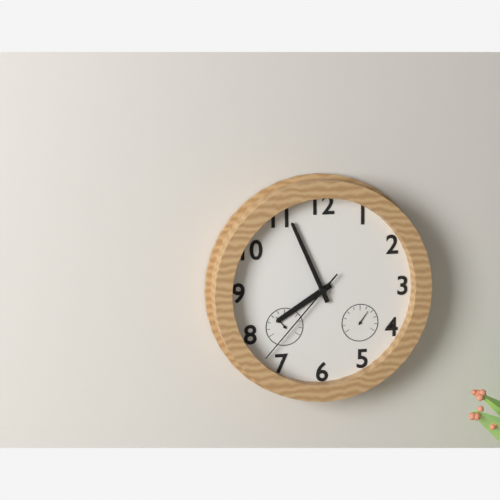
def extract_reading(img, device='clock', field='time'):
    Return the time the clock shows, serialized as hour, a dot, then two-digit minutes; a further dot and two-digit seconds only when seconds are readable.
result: 7.56.37
